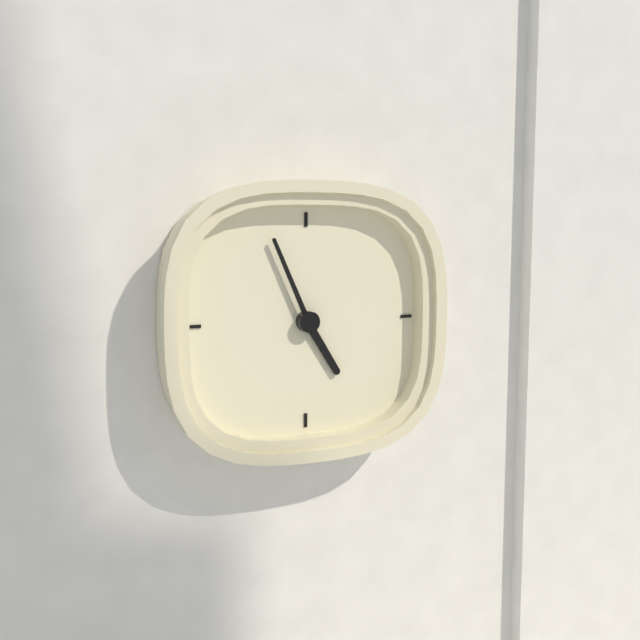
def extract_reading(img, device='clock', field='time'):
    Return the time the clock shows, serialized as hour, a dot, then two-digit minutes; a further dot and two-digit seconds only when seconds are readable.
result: 4.56
